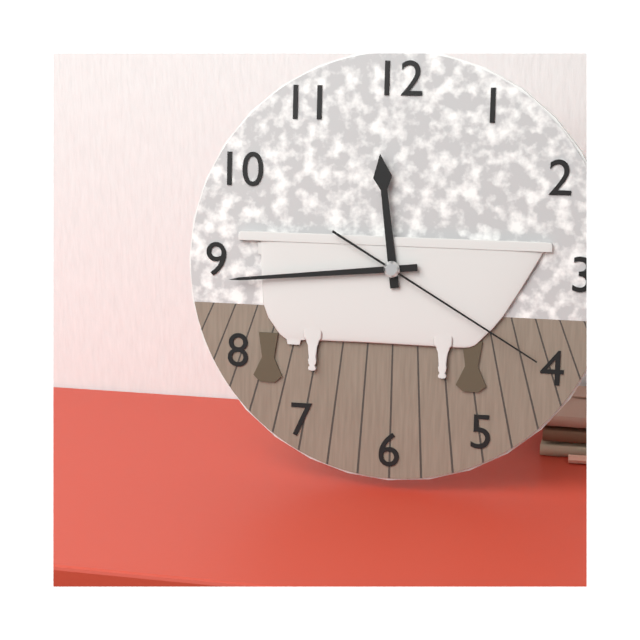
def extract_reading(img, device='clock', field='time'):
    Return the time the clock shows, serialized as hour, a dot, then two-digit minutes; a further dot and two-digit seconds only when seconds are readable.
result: 11.44.20
